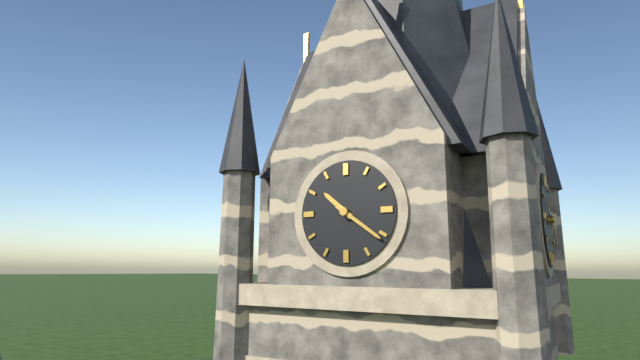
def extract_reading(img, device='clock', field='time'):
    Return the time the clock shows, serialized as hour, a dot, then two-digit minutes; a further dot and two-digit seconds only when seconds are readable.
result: 10.21
